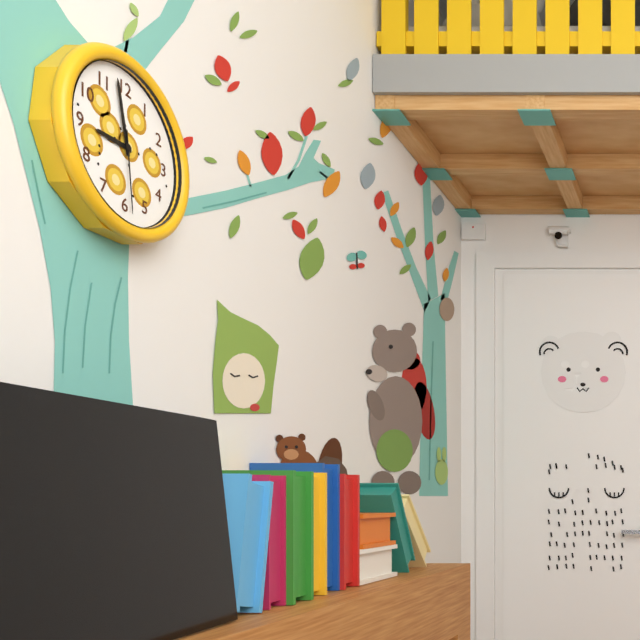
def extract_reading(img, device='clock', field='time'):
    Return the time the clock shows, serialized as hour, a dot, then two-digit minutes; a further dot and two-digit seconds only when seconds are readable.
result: 8.58.29
